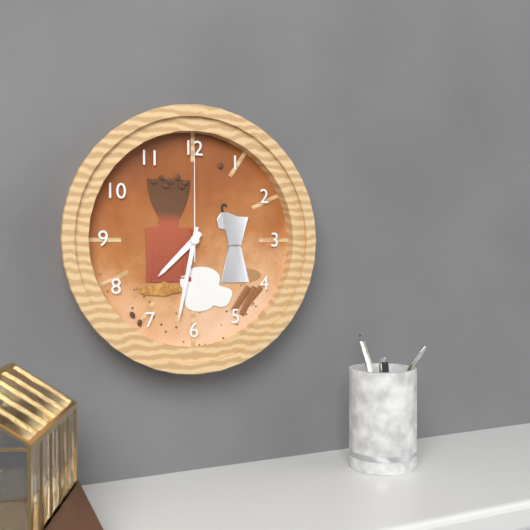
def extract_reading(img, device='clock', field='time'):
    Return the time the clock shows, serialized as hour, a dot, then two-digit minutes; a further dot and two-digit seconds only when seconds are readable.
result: 7.32.00
